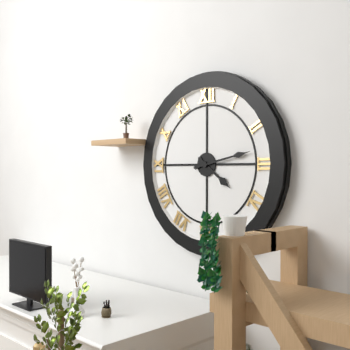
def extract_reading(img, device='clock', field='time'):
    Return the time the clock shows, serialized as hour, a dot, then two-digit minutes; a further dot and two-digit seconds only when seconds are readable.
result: 4.13
